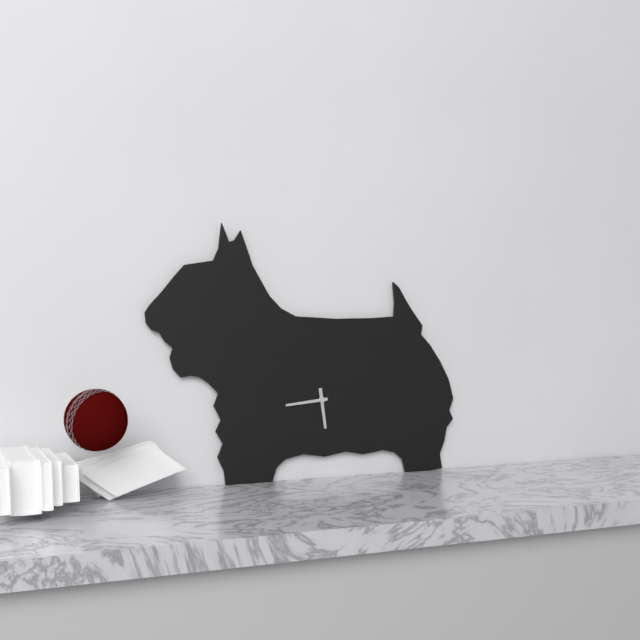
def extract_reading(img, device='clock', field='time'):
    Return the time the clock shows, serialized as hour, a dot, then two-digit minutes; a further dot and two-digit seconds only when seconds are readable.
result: 5.44
